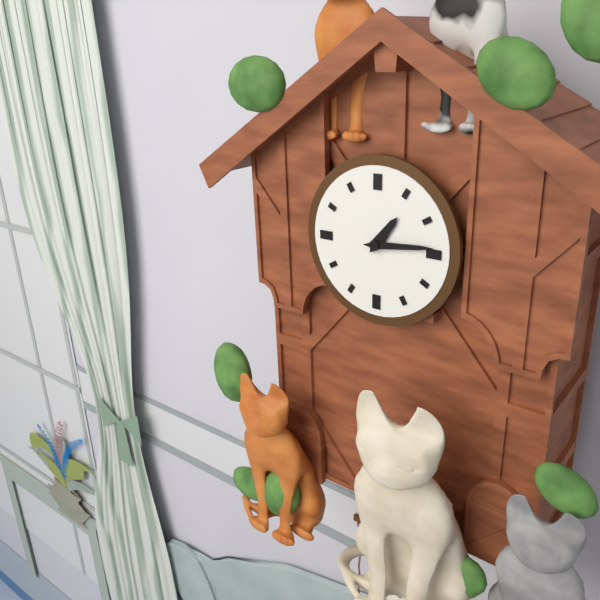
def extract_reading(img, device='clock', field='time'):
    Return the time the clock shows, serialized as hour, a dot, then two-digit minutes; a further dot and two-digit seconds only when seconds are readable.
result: 1.14
